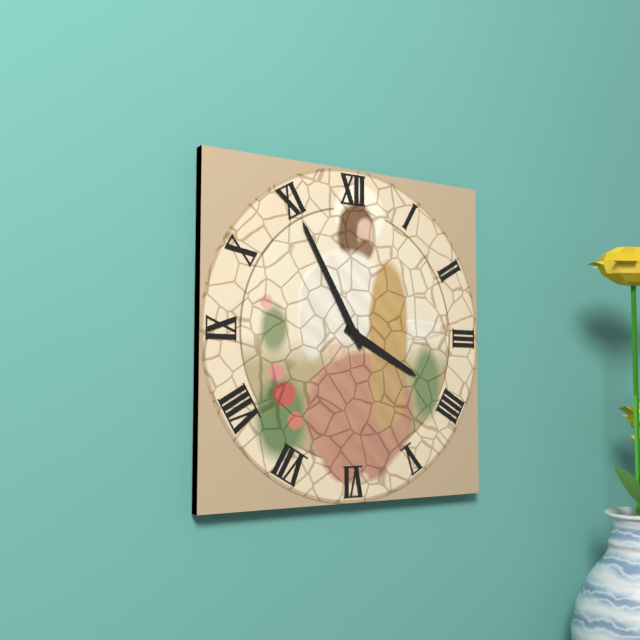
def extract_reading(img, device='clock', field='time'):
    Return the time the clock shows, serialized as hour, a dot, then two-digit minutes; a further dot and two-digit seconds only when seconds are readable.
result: 3.55
